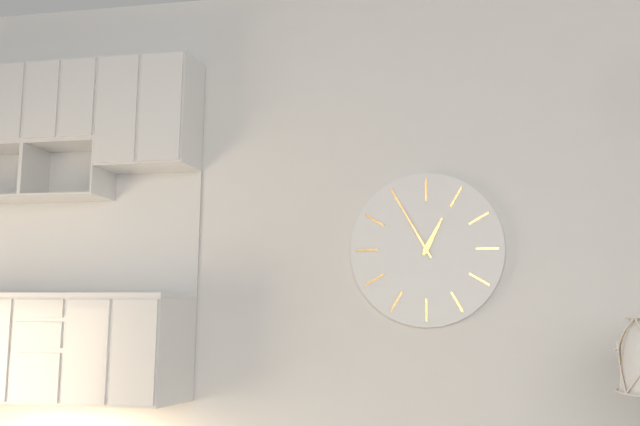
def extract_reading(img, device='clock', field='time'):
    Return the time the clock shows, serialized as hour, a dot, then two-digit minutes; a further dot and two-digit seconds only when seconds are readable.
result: 12.55
